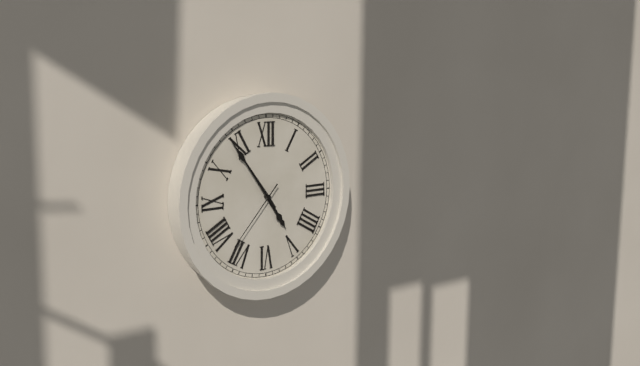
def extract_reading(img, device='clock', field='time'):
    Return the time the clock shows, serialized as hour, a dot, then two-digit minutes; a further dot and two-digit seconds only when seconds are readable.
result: 4.54.37
